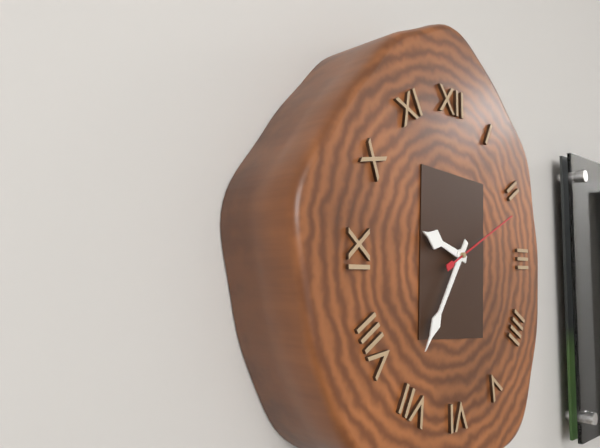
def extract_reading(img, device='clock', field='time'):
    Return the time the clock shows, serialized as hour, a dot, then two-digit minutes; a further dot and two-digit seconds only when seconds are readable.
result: 9.36.11
